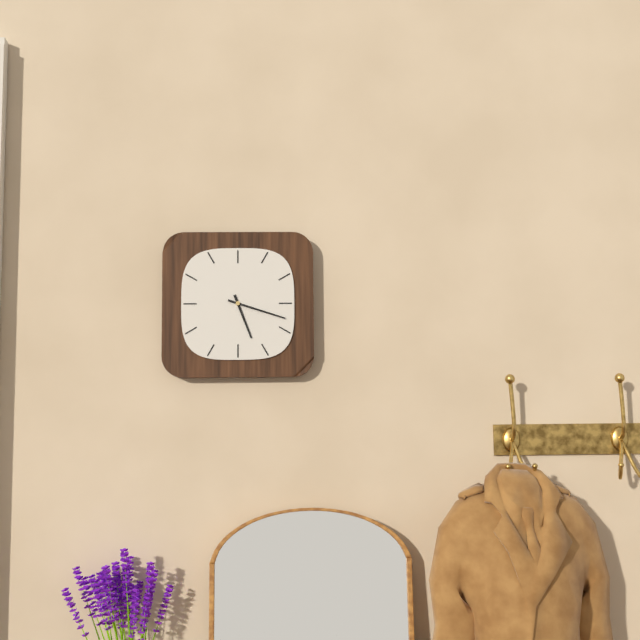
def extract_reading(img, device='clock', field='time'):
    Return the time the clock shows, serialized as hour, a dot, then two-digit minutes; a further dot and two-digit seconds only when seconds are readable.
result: 5.18
